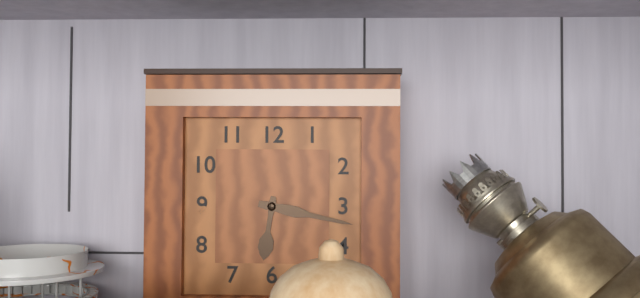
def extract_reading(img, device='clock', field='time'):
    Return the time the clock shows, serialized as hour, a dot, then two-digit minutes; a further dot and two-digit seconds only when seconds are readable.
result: 6.17
